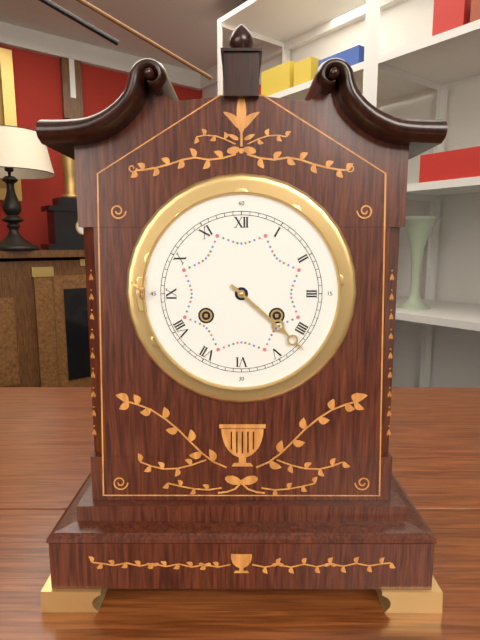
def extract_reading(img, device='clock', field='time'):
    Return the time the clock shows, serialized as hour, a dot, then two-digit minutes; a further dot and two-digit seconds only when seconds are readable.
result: 4.22
